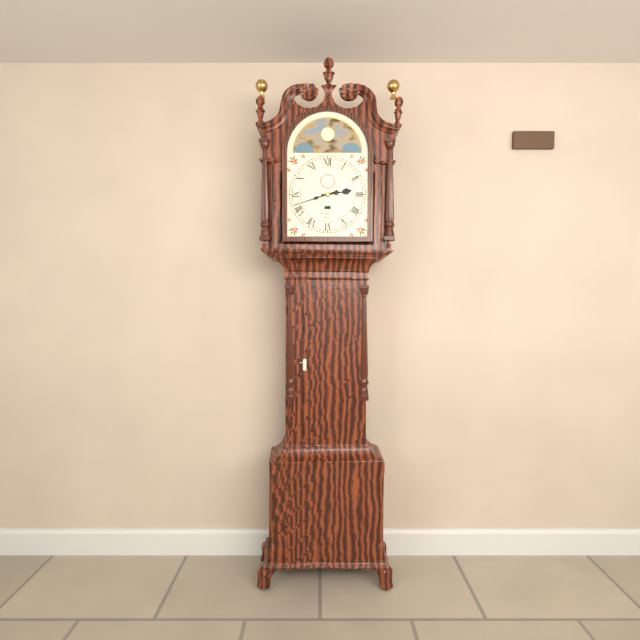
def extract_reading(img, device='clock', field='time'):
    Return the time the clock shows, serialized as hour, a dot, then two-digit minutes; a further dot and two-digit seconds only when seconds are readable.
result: 2.42
